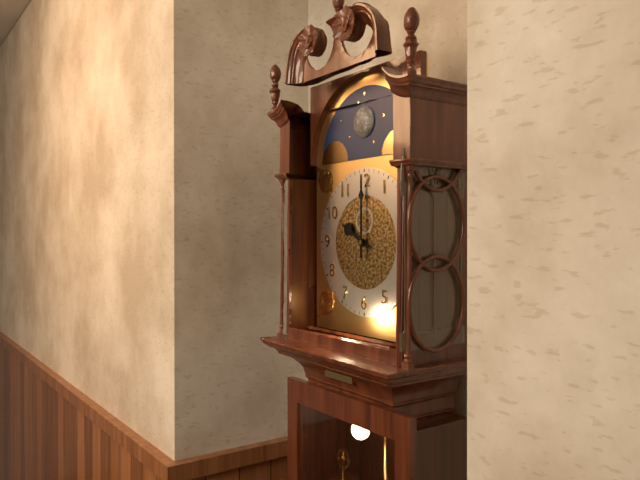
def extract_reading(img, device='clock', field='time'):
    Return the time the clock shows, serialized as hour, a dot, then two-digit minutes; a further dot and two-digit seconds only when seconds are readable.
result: 10.00
